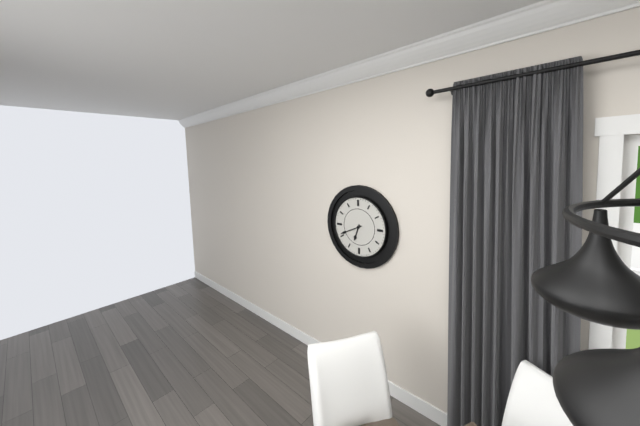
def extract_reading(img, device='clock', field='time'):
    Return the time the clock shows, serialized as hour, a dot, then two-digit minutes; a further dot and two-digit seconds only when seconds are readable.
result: 6.41
